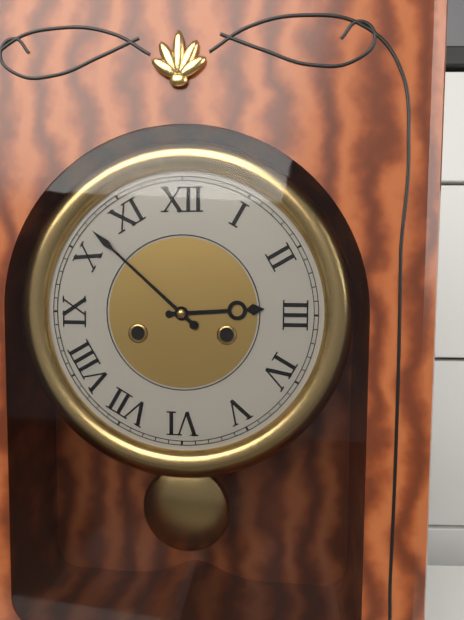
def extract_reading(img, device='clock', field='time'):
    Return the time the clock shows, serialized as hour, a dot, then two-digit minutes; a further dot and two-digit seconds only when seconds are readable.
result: 2.52
